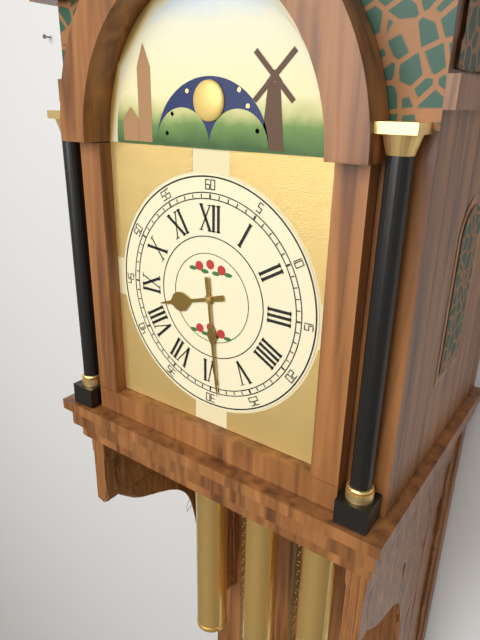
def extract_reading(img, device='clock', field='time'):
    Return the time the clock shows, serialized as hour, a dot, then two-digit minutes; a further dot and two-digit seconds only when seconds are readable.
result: 8.29
